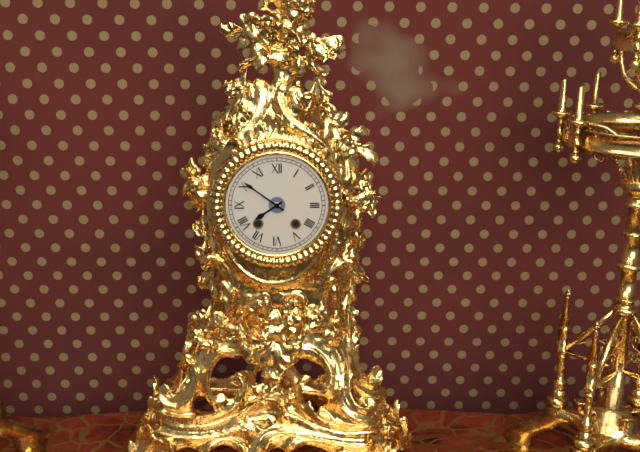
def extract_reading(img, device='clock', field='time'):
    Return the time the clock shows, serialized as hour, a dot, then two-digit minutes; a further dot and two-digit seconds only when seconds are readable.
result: 7.51
